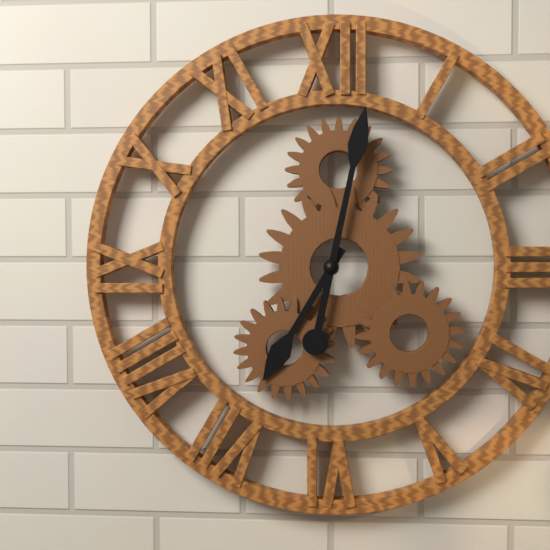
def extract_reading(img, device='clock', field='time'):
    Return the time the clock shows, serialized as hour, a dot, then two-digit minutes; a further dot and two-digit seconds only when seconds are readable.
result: 7.02
